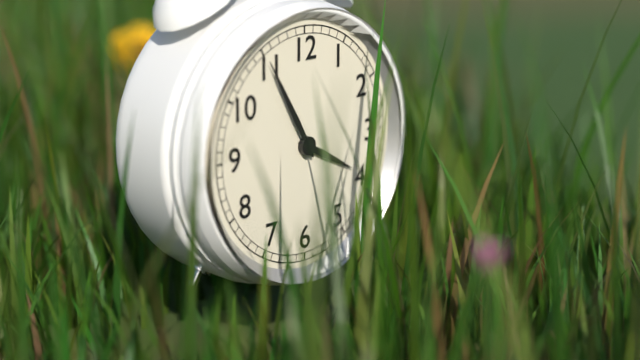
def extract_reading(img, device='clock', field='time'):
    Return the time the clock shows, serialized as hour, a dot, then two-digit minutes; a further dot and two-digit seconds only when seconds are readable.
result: 3.55
